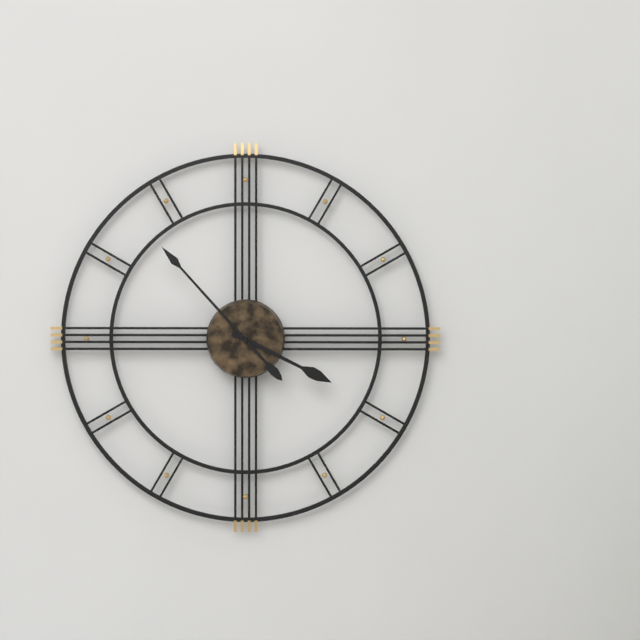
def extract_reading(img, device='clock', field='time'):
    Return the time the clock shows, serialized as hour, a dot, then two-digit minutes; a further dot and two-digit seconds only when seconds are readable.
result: 3.53
